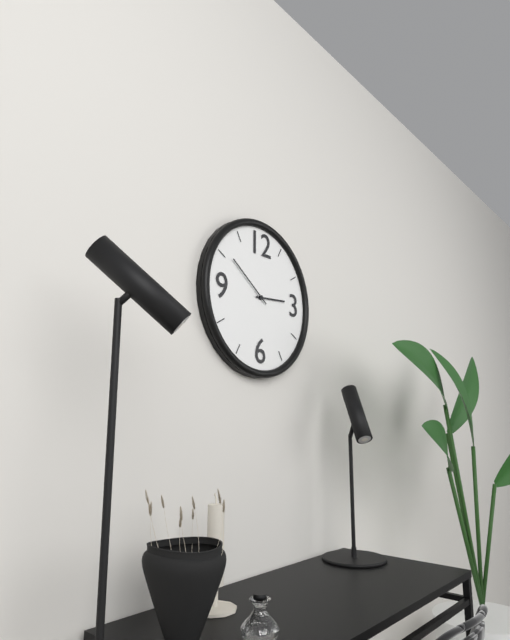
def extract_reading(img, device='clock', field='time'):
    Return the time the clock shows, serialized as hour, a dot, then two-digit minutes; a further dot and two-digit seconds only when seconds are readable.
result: 2.51
